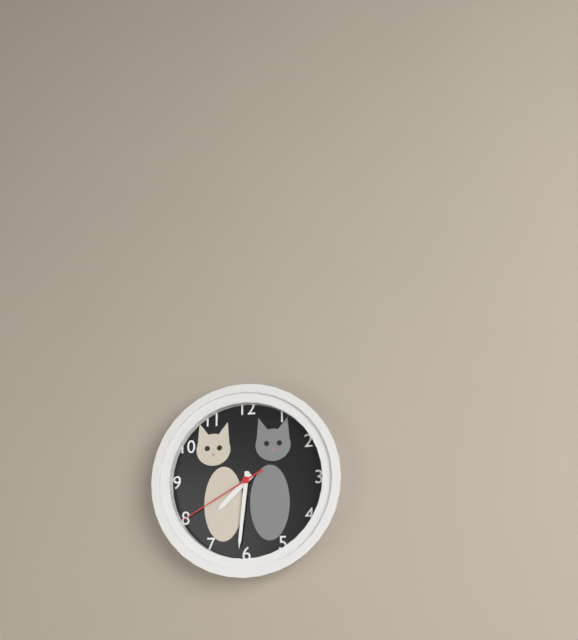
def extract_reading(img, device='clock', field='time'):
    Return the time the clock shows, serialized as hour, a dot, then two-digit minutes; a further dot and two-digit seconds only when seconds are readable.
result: 7.31.40
